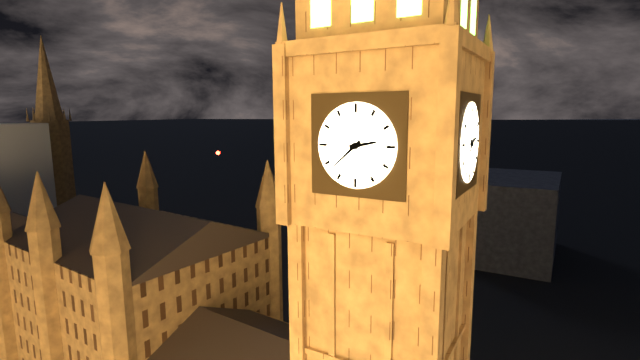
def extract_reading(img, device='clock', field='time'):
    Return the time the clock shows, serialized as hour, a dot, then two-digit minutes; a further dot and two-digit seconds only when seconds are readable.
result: 2.38
